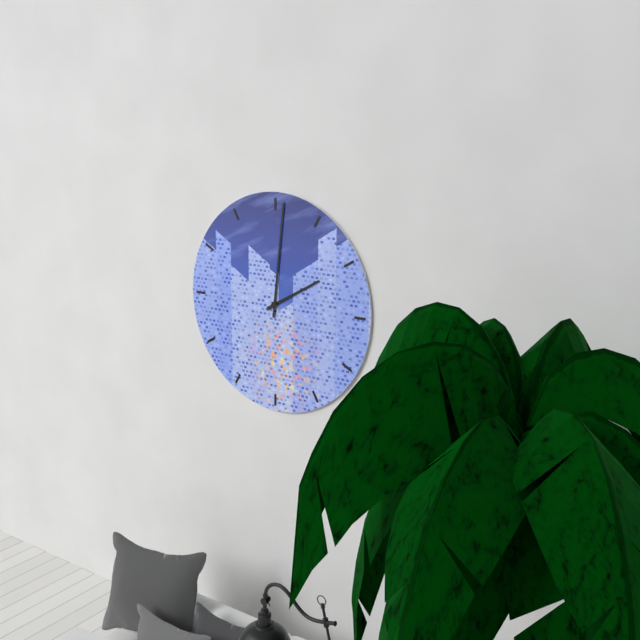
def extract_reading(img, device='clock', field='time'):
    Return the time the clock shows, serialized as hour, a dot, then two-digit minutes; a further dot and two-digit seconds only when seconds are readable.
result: 2.01
